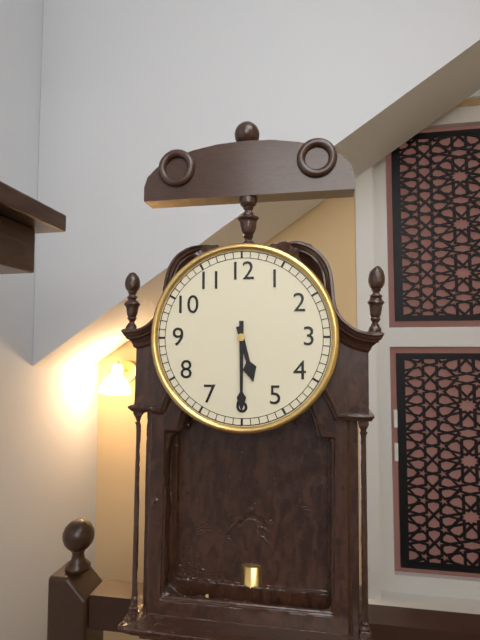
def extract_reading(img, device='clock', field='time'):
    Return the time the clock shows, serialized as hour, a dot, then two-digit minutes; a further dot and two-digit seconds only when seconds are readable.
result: 5.30
